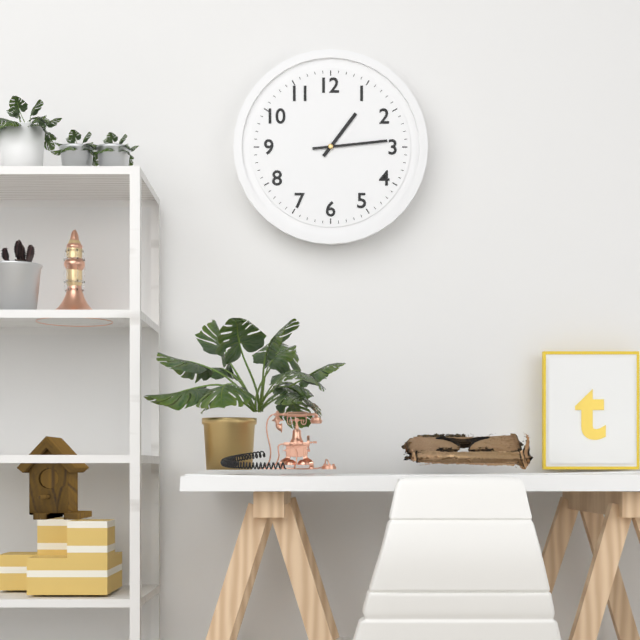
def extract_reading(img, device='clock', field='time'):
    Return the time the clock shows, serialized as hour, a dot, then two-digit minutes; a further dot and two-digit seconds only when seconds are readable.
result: 1.14
